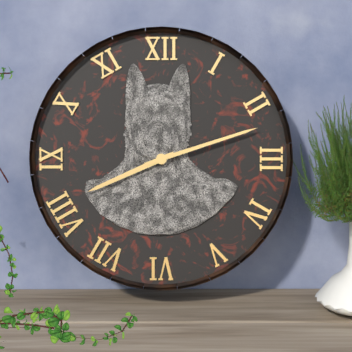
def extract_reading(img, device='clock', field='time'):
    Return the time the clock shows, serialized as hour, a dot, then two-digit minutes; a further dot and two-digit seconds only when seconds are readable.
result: 8.12
